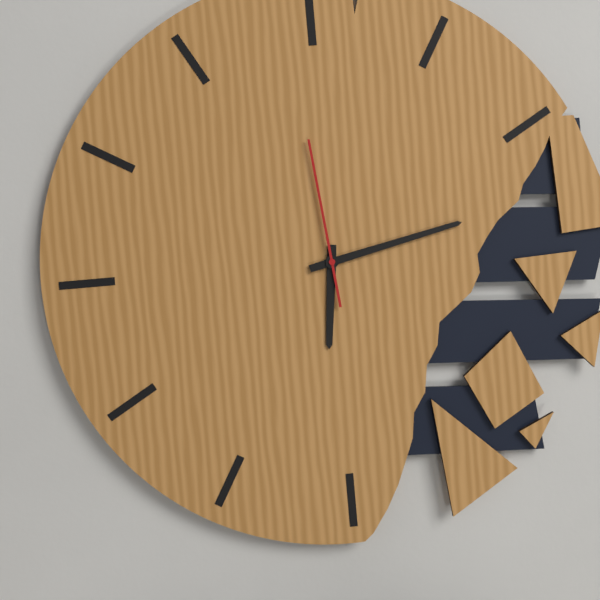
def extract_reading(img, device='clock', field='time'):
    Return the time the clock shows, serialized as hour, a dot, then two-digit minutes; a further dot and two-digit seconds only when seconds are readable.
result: 6.13.59
